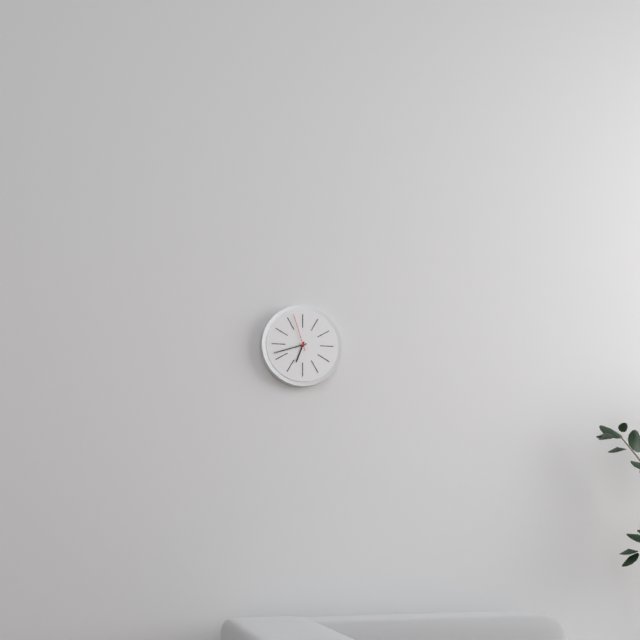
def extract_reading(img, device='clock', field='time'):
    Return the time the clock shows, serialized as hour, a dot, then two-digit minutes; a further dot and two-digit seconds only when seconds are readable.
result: 6.42
